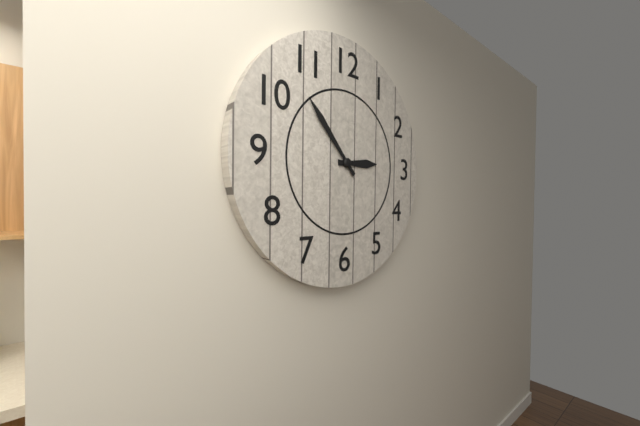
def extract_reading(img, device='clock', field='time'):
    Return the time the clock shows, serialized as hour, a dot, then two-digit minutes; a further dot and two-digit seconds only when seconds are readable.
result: 2.53
